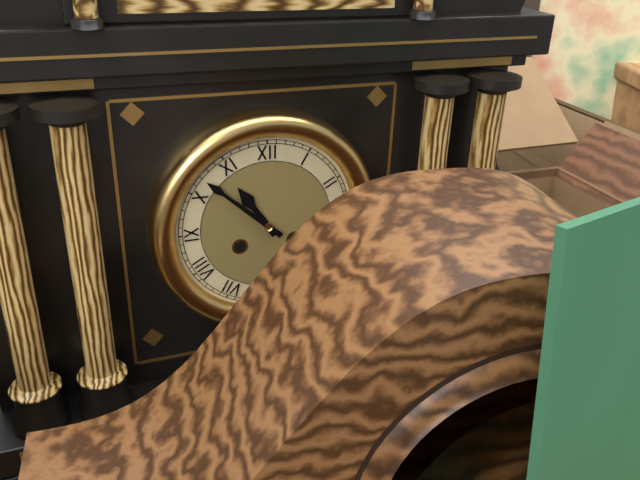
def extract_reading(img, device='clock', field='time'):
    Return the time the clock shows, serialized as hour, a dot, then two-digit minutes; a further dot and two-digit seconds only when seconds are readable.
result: 10.52
